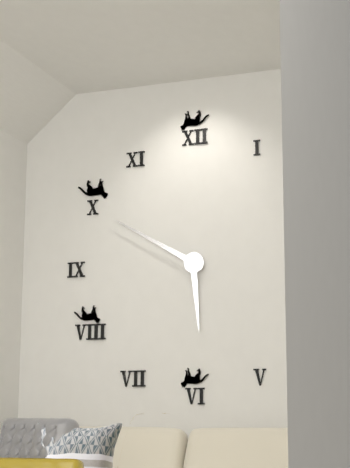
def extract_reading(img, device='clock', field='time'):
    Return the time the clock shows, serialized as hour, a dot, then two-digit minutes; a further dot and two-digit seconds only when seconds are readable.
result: 5.50
